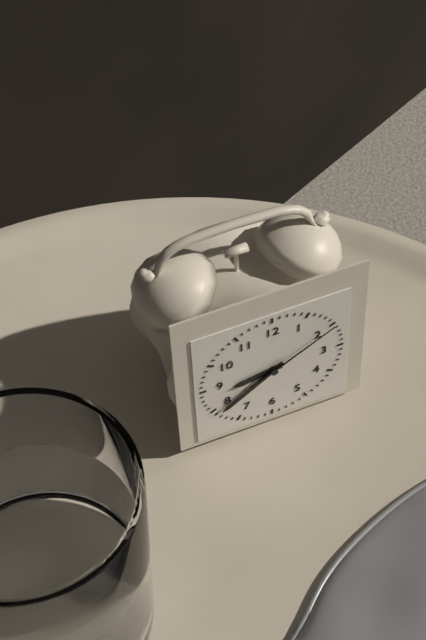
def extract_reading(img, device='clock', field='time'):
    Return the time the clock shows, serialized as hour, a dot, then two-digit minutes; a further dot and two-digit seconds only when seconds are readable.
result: 8.39.10
